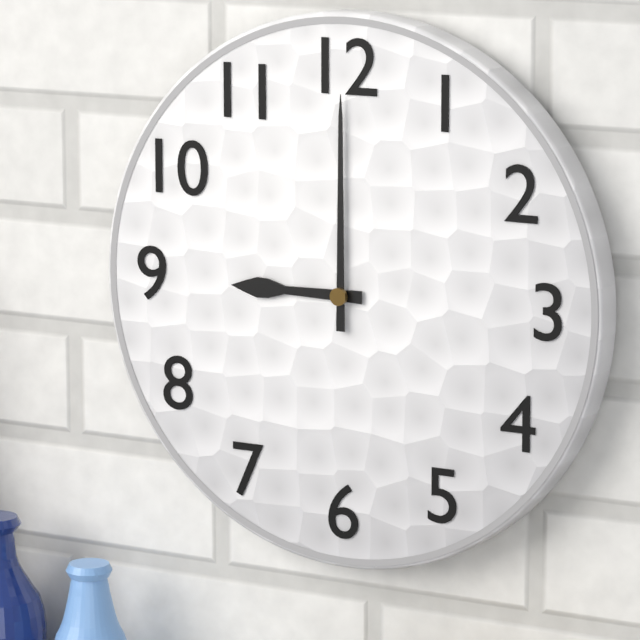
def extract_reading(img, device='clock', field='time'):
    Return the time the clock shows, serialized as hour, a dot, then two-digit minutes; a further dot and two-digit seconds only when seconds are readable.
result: 9.00
